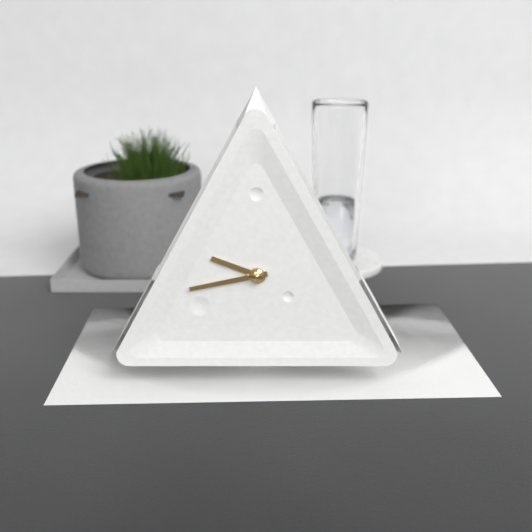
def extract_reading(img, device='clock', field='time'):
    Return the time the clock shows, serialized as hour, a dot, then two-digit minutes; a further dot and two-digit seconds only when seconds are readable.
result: 9.43
